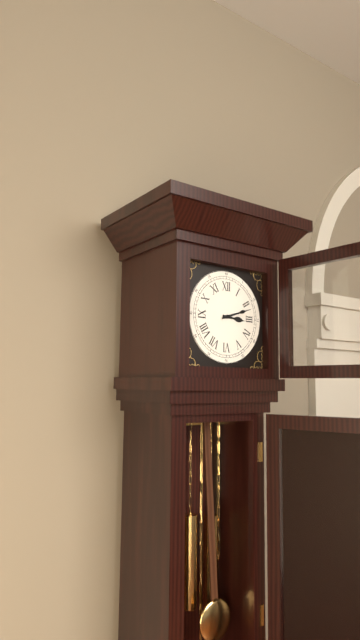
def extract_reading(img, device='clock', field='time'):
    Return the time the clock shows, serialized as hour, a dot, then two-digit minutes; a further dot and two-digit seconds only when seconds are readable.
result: 3.12
